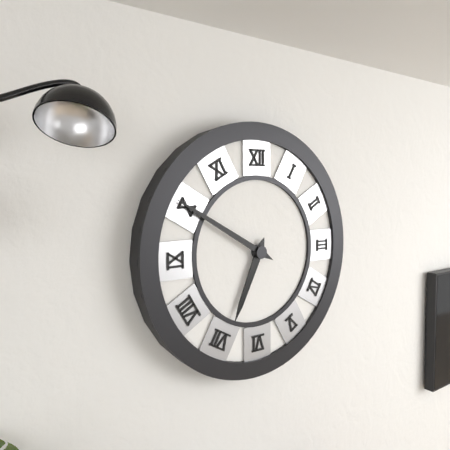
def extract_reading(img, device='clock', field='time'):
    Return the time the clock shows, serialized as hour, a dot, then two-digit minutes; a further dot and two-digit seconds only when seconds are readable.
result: 6.50
